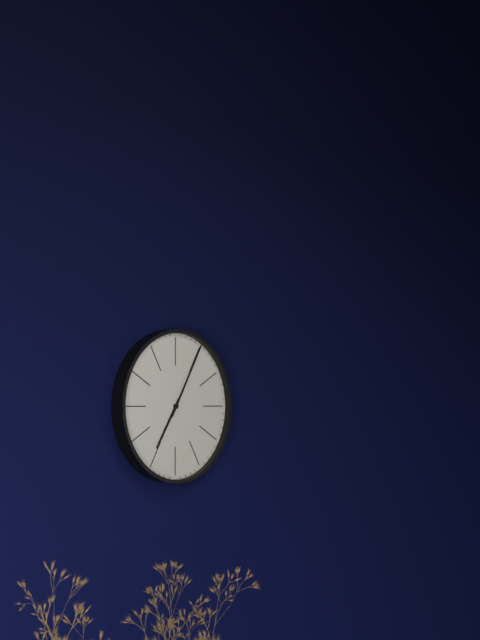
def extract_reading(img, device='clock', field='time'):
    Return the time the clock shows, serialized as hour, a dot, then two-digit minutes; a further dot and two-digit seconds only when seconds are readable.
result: 7.05
